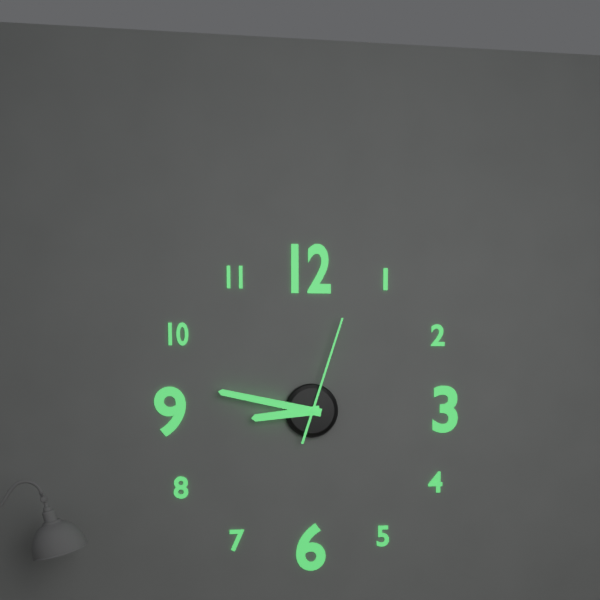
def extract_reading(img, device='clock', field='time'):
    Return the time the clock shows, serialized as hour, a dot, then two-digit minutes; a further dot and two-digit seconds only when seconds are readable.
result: 8.47.03
